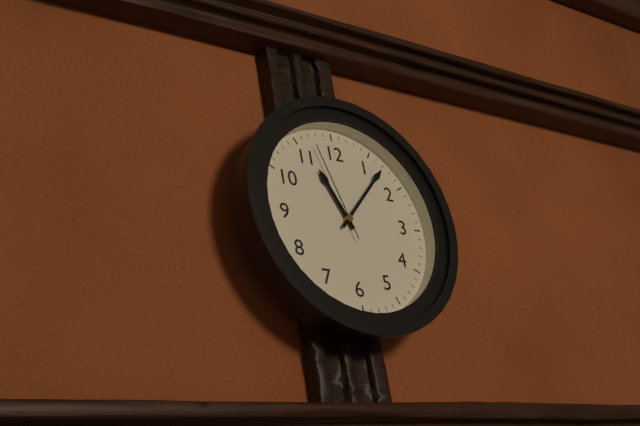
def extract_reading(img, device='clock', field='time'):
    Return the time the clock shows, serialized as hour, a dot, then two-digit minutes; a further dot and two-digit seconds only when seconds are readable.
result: 11.07.57
